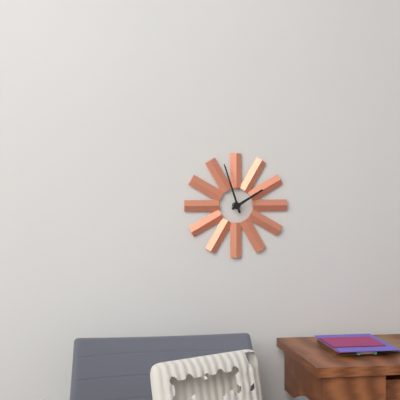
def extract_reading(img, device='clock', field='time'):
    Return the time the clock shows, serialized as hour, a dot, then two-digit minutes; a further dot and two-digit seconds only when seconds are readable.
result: 1.57
